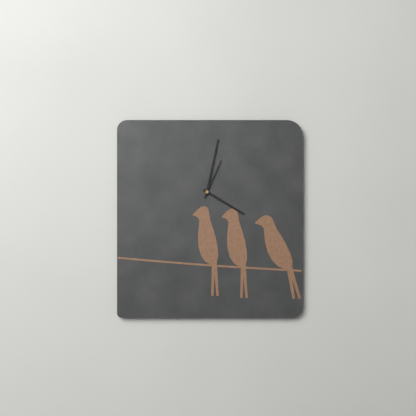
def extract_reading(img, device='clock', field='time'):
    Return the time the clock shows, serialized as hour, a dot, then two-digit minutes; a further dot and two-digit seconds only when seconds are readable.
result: 4.02
